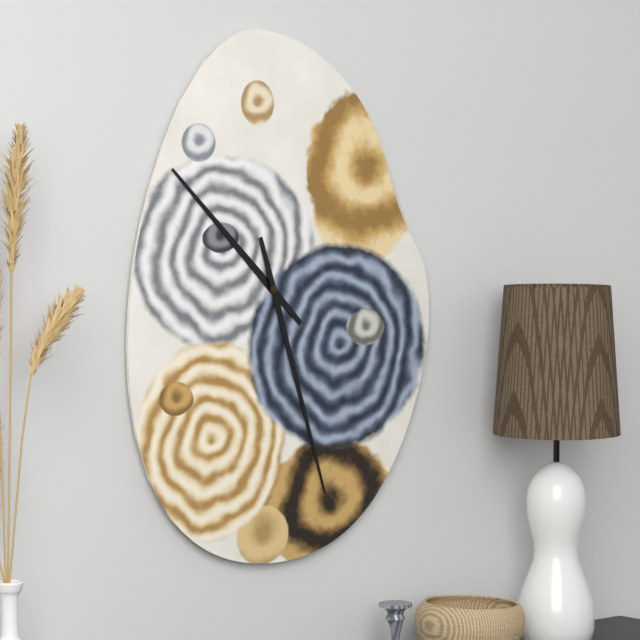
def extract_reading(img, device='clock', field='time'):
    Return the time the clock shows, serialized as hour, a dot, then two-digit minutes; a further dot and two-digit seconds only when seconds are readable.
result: 10.27
